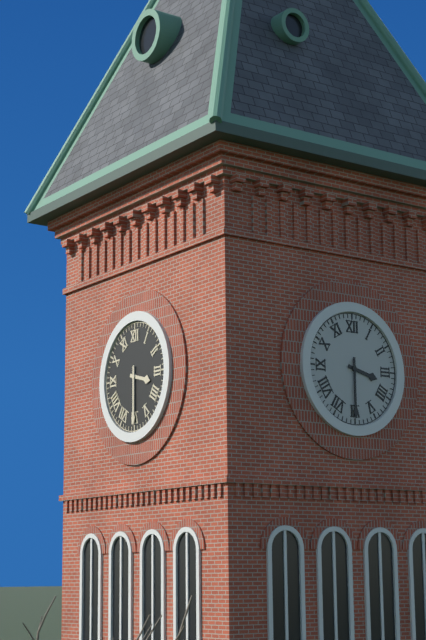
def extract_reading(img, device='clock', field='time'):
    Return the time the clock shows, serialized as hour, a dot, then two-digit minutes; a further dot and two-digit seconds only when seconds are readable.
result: 3.30
